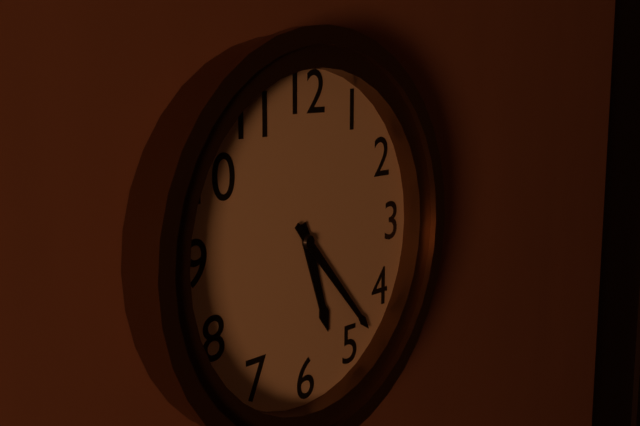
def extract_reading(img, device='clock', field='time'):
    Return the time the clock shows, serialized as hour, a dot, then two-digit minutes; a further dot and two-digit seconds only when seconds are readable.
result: 5.23
